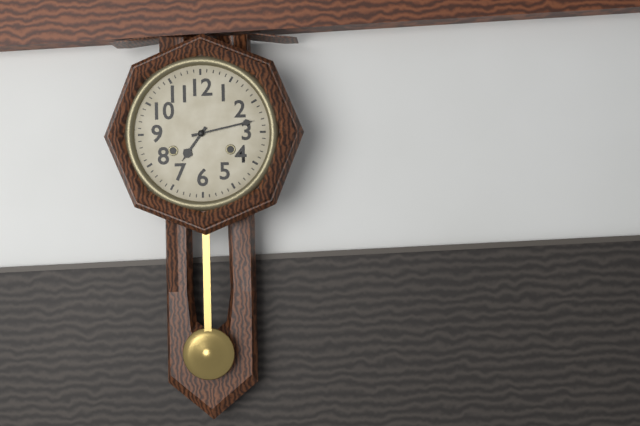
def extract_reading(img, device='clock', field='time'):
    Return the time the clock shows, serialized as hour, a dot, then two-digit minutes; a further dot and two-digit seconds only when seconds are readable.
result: 7.13
